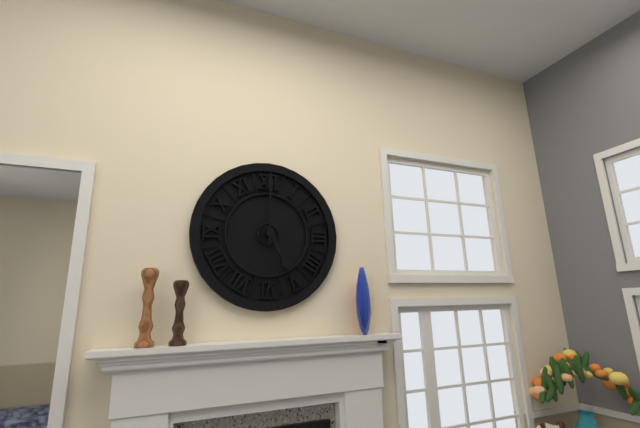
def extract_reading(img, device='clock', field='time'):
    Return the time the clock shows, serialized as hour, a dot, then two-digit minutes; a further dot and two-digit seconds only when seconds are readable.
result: 5.00
